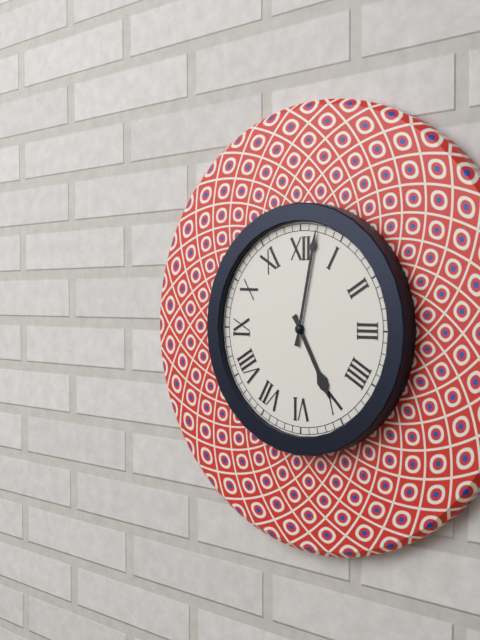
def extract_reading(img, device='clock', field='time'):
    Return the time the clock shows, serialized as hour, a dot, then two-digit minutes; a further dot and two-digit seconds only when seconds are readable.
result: 5.02
